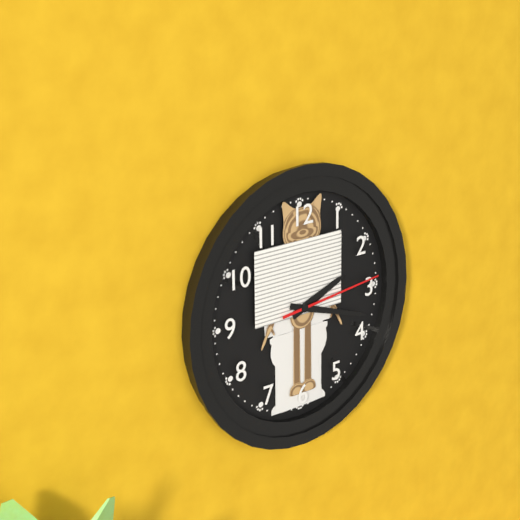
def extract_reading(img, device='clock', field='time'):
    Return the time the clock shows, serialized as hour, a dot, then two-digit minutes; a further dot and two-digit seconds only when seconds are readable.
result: 2.18.14
